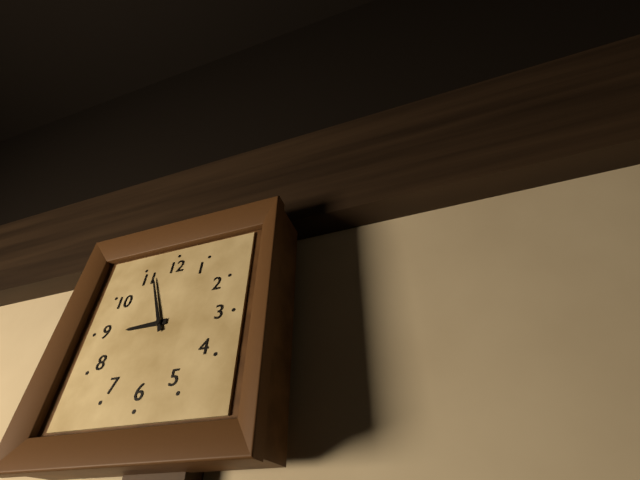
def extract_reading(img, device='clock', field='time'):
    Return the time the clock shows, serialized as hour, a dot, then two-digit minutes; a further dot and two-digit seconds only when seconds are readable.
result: 8.56
